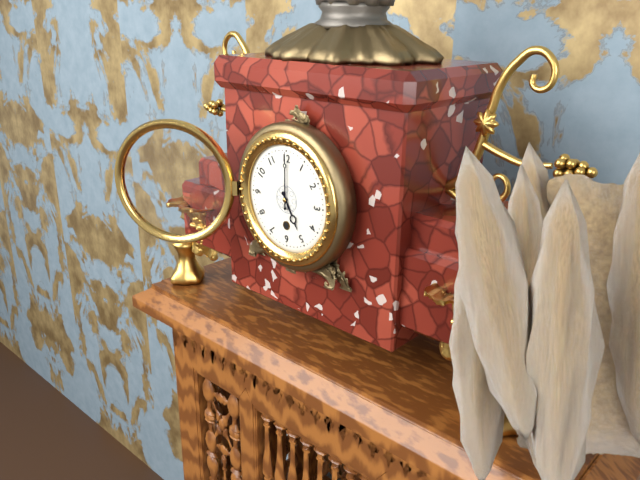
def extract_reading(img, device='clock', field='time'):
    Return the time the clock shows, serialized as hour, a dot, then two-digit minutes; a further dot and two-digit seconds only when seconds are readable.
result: 5.00
